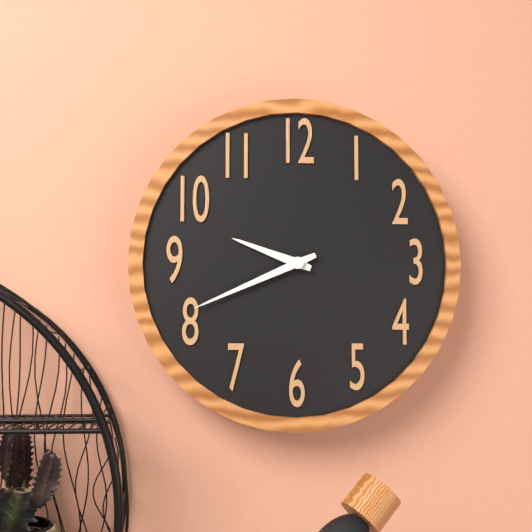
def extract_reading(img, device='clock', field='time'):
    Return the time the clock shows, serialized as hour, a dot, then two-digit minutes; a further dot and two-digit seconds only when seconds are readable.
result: 9.41
